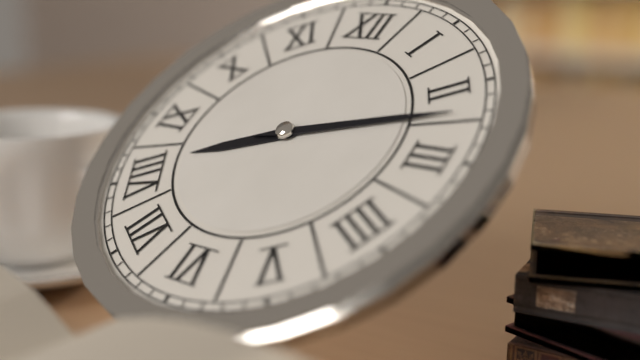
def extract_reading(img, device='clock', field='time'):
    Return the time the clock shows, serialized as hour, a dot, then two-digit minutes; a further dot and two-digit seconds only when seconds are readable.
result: 8.12
